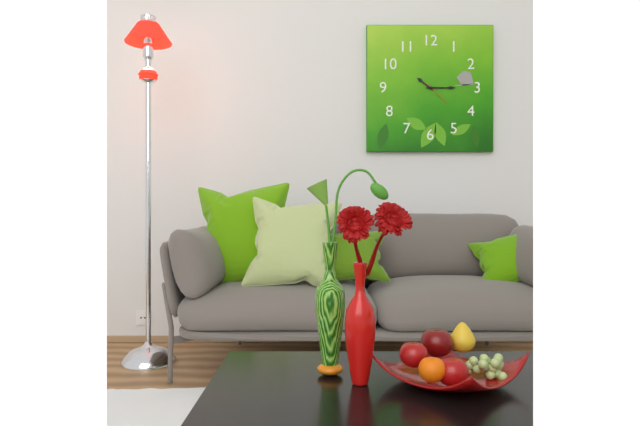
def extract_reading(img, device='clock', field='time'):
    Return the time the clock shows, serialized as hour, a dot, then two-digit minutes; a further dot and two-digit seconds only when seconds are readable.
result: 10.15
